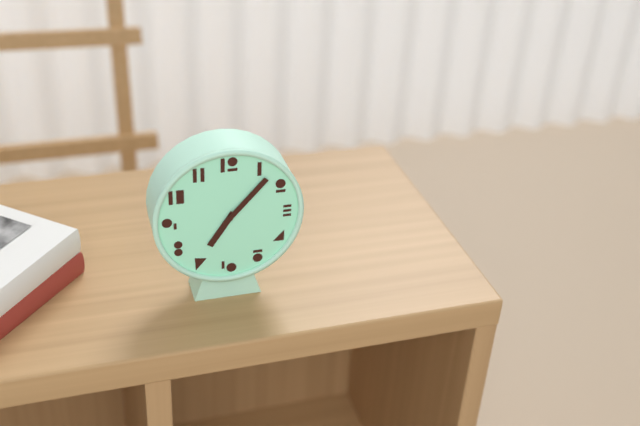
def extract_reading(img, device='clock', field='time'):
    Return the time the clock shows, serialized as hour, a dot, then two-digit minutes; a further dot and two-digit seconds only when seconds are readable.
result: 7.07
